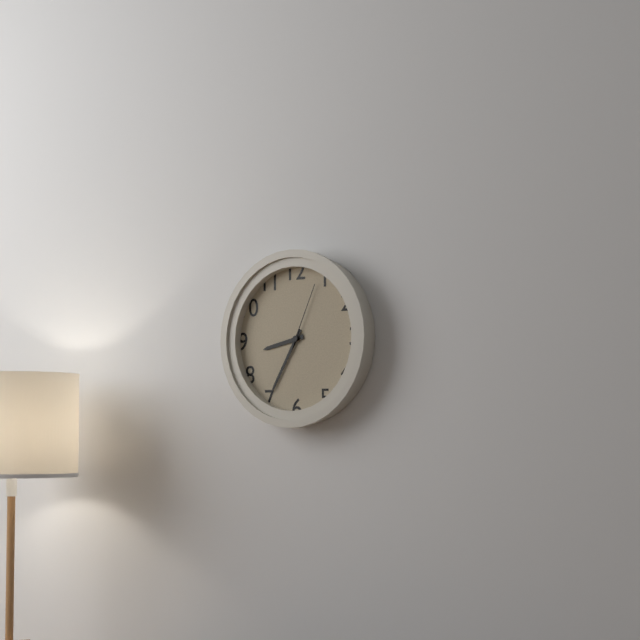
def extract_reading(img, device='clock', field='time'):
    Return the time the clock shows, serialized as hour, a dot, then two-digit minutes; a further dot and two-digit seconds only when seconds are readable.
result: 8.35.04
